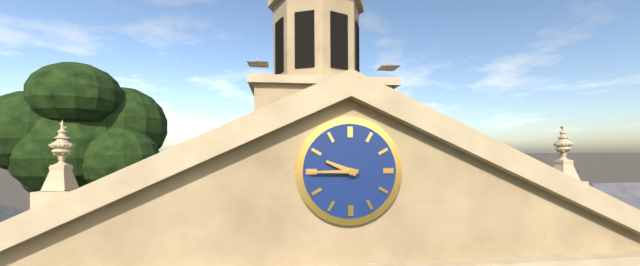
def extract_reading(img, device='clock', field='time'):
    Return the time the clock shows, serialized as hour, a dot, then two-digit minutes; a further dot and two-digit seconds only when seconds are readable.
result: 9.45
